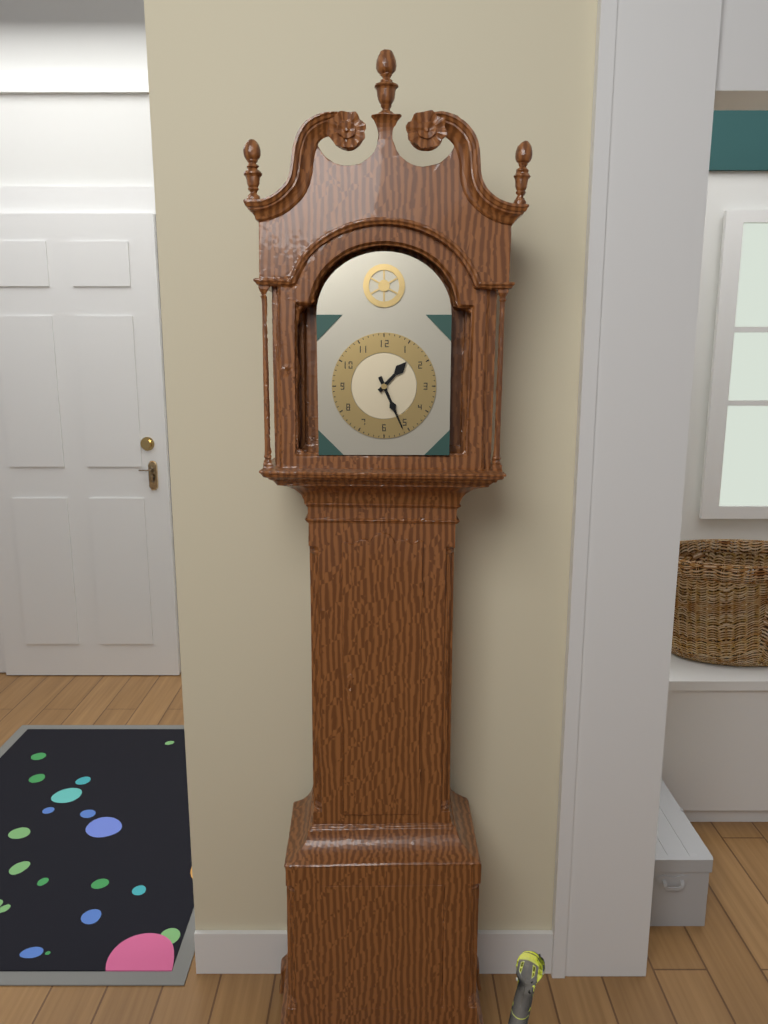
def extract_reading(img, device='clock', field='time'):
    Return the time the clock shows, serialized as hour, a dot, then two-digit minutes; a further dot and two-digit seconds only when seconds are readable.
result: 1.26
